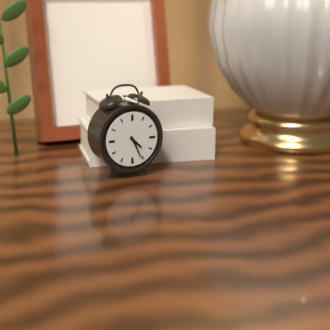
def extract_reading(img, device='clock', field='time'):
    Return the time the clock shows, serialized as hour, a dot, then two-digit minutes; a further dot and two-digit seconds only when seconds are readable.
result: 4.26
